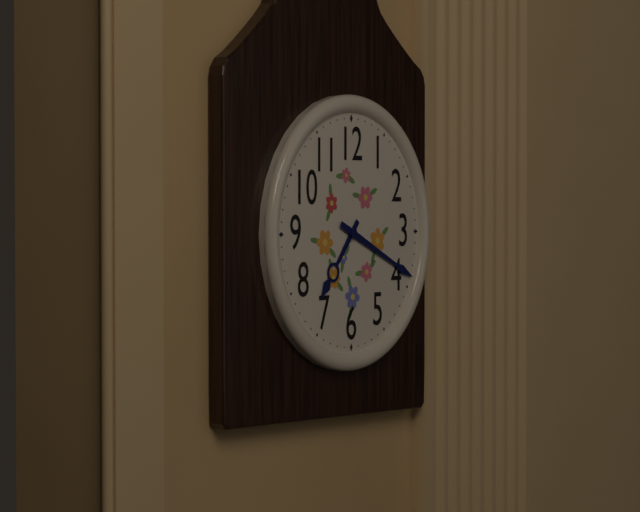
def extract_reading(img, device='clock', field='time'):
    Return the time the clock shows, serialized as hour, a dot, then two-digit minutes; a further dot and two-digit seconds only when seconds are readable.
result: 7.19
